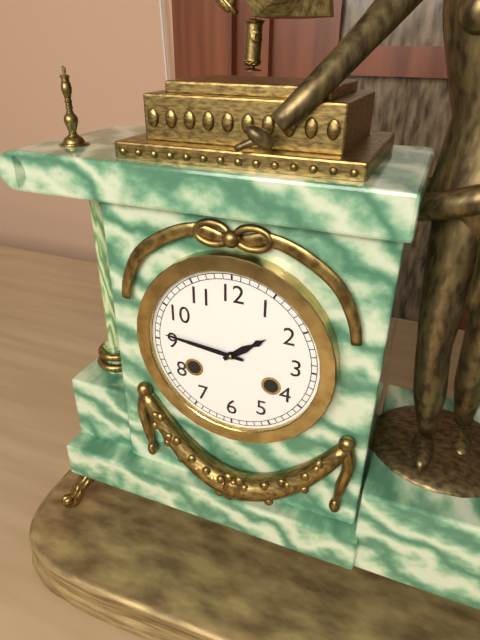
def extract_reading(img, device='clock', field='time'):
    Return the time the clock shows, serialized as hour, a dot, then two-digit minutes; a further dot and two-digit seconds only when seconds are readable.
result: 1.46
